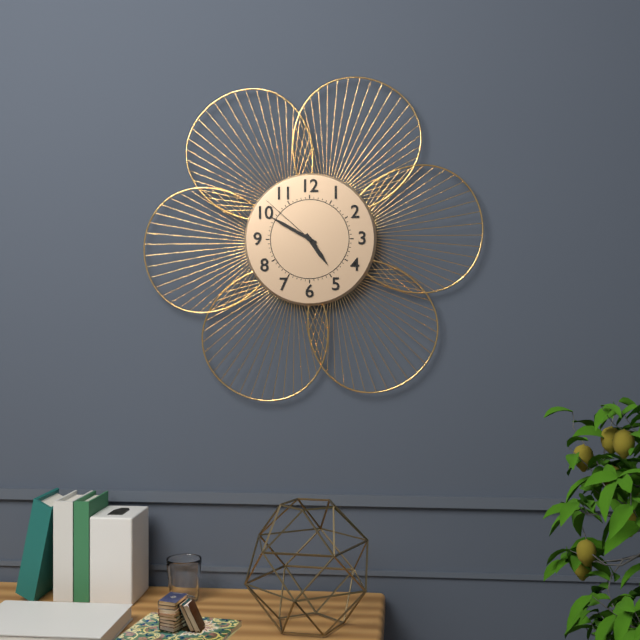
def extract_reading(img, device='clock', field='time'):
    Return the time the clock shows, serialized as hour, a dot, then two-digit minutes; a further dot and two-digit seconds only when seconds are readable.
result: 4.50.52
